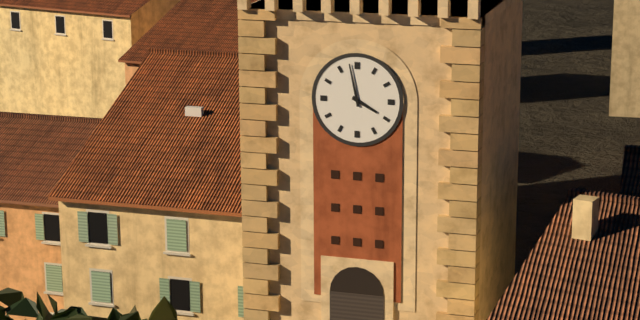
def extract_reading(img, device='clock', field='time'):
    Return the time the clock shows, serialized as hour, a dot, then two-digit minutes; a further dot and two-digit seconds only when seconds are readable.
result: 3.58
